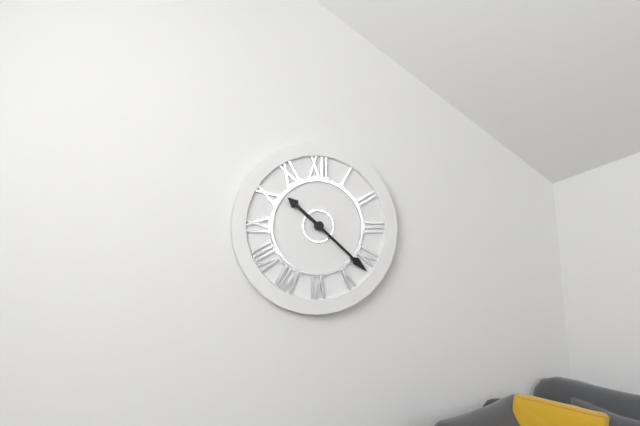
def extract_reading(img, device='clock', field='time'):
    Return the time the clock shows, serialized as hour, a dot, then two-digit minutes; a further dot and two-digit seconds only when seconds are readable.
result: 10.22
